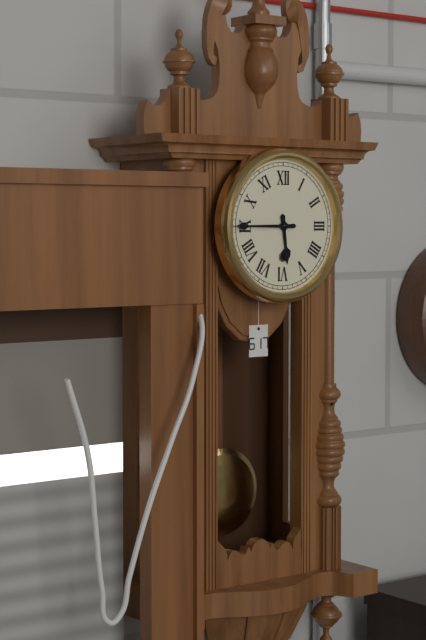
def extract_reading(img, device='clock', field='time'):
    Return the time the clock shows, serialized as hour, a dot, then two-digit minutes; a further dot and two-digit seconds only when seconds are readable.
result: 5.45
